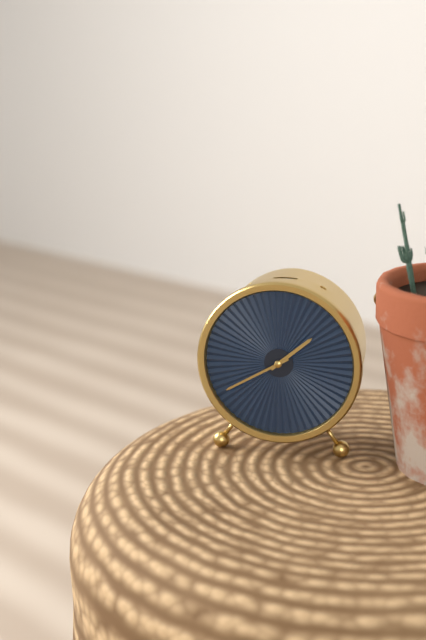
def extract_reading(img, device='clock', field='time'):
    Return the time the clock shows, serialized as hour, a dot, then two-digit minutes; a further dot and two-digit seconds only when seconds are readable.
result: 1.40
